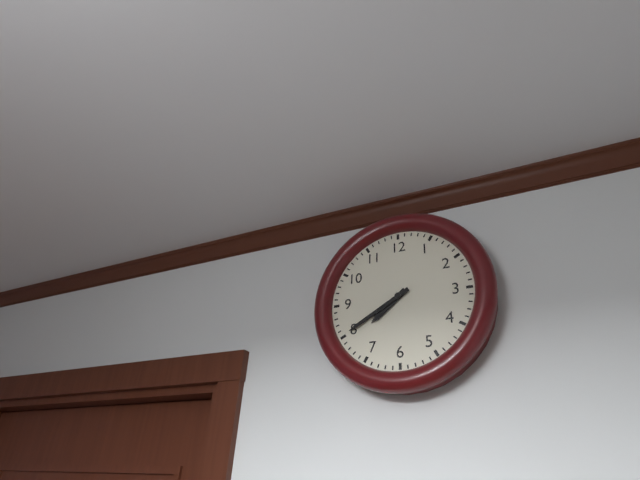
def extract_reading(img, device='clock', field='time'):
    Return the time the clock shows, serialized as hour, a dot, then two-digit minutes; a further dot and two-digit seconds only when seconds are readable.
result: 7.40
